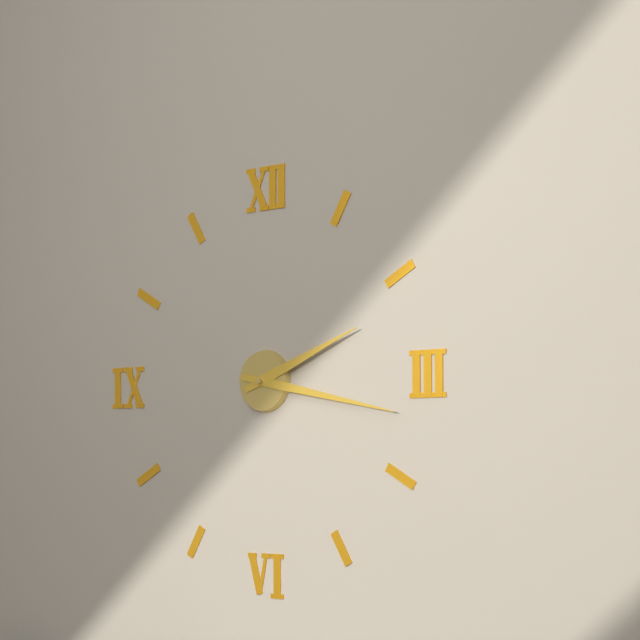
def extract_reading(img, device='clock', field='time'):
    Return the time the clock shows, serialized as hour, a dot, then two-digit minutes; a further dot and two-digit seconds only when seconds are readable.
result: 2.17
